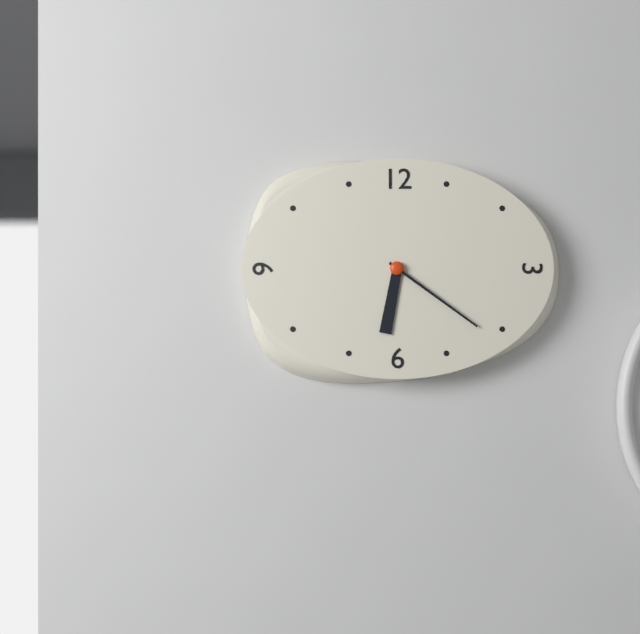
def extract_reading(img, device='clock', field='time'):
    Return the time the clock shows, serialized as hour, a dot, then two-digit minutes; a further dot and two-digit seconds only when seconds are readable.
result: 6.21
